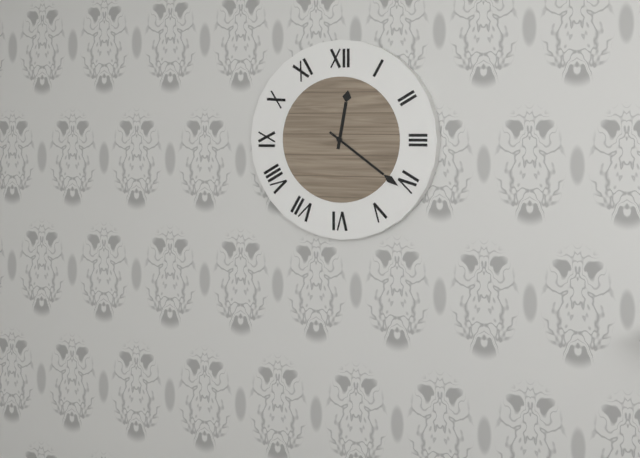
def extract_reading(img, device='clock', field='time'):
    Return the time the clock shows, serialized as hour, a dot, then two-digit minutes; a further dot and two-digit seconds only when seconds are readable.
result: 12.21
